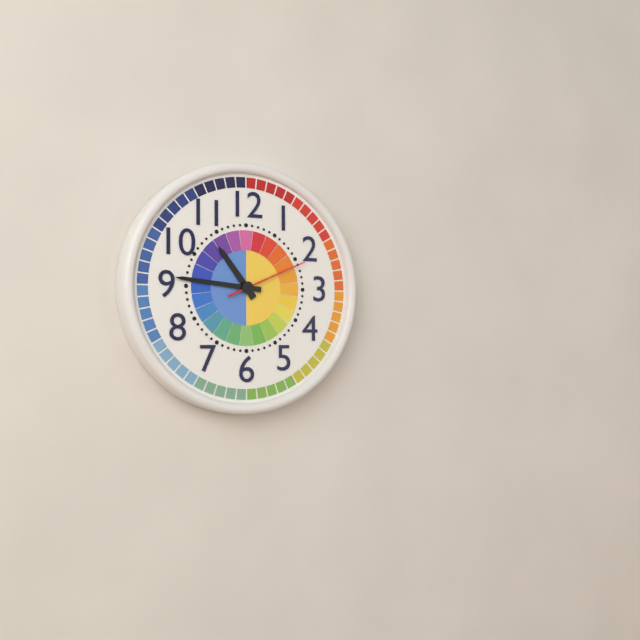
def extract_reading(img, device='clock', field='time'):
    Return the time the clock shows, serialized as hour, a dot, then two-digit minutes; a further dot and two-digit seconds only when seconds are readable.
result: 10.46.11
